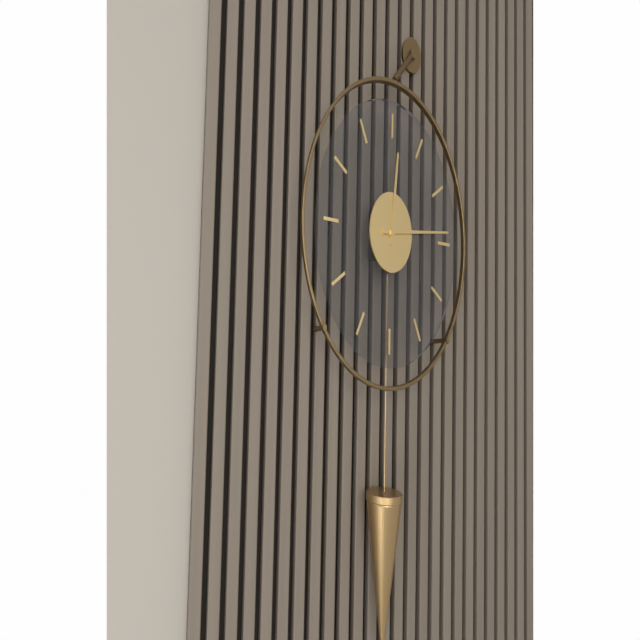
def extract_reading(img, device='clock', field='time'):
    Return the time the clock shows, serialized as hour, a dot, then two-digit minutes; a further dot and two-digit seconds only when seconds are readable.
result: 12.14
